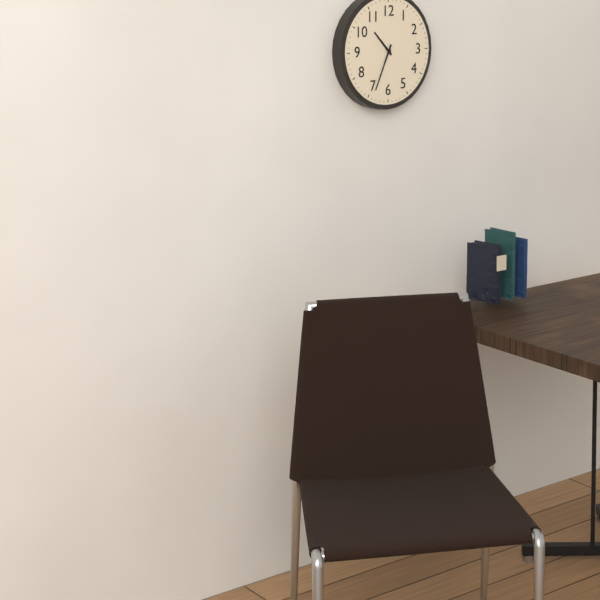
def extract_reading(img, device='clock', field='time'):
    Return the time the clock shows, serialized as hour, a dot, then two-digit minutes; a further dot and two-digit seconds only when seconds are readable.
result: 10.34
